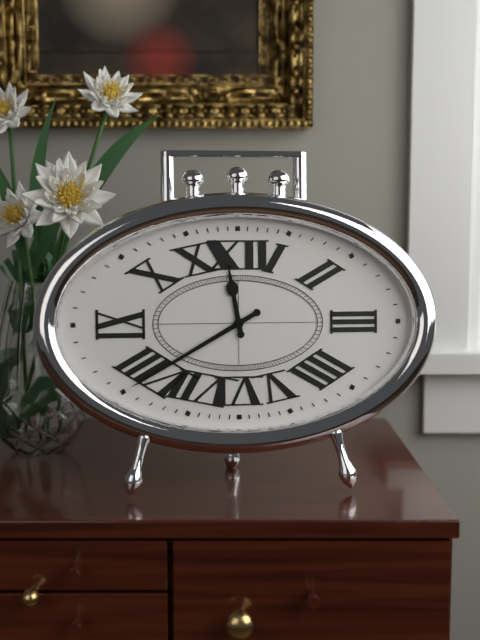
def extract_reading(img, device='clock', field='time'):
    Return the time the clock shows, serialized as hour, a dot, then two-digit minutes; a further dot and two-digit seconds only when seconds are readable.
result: 11.40
